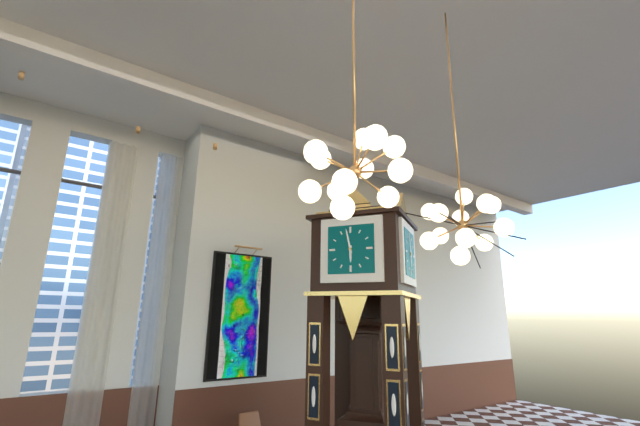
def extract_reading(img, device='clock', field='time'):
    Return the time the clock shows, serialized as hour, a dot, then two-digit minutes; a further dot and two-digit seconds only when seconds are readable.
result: 5.58
